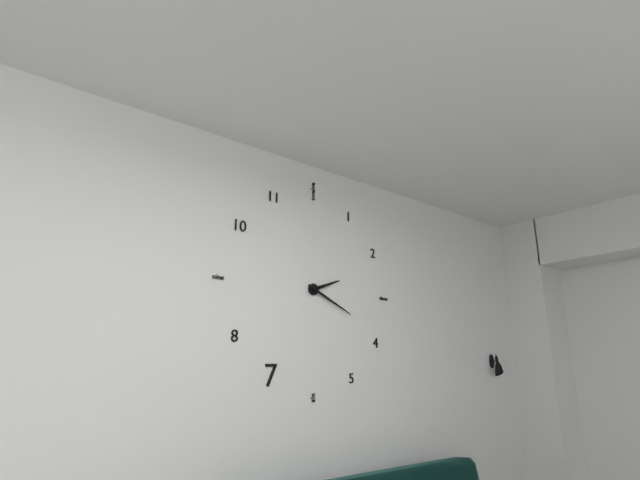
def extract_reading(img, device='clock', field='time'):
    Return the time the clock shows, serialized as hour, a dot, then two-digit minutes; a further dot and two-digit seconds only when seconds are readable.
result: 2.19
